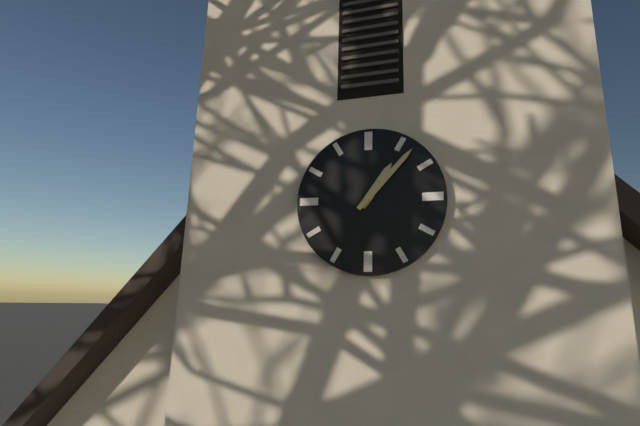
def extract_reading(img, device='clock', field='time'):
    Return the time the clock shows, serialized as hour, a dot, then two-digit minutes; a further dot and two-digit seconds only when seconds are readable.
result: 1.07
